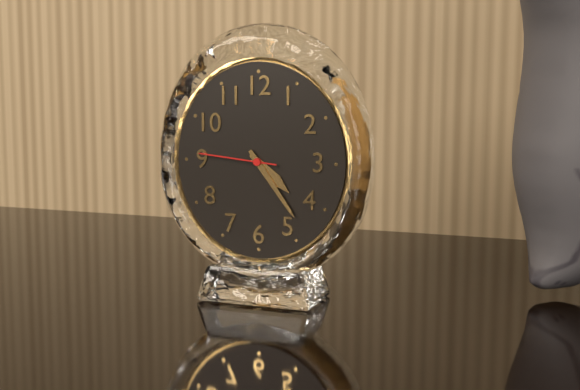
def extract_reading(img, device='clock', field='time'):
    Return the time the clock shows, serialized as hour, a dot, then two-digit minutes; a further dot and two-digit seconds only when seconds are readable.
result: 4.24.46
